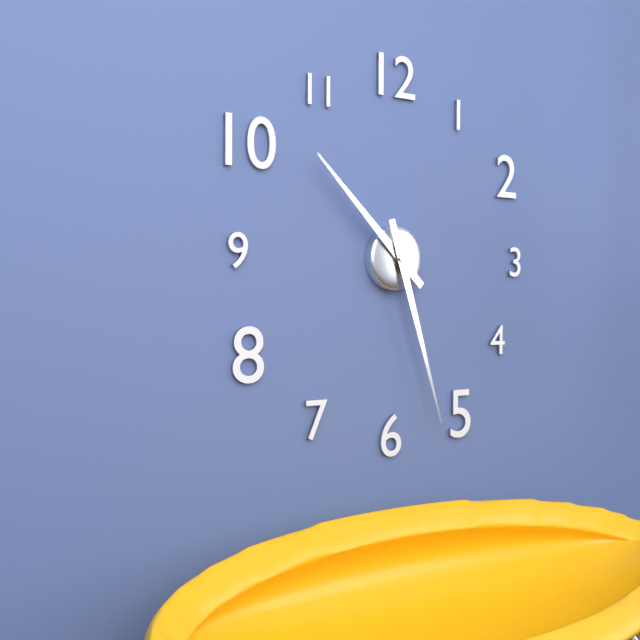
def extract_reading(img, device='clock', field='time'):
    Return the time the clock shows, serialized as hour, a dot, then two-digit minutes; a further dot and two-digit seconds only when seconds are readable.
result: 10.27
